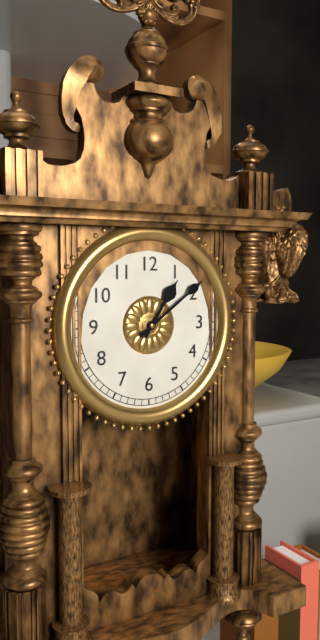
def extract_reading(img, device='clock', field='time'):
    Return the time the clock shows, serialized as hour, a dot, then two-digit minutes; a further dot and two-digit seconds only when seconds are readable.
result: 1.09
